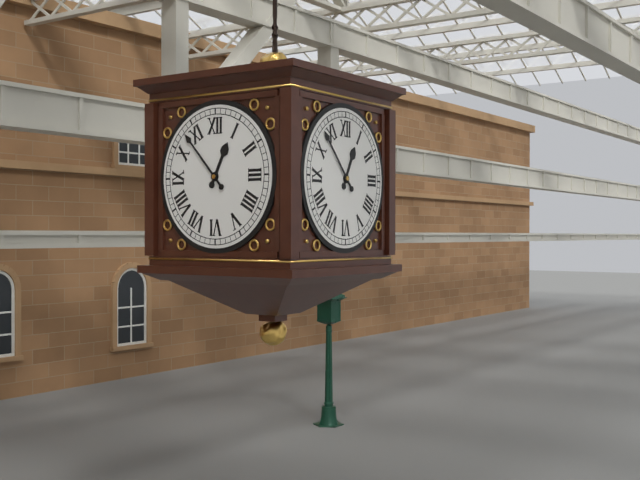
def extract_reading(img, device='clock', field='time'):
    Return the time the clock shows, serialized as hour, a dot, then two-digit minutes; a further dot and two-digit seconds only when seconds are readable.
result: 12.53
